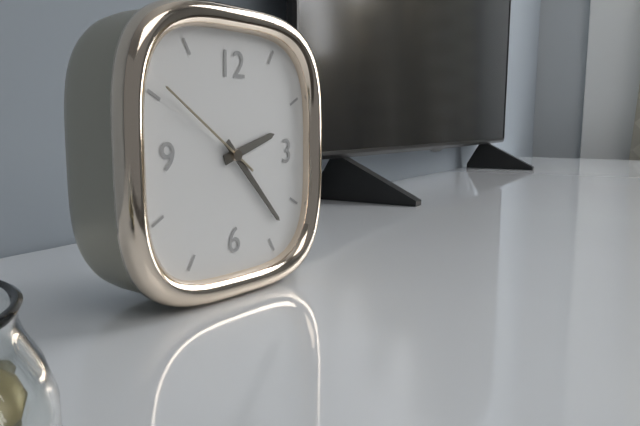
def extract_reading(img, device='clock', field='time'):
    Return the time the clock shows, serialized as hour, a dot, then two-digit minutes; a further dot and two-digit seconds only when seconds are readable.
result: 2.23.51
